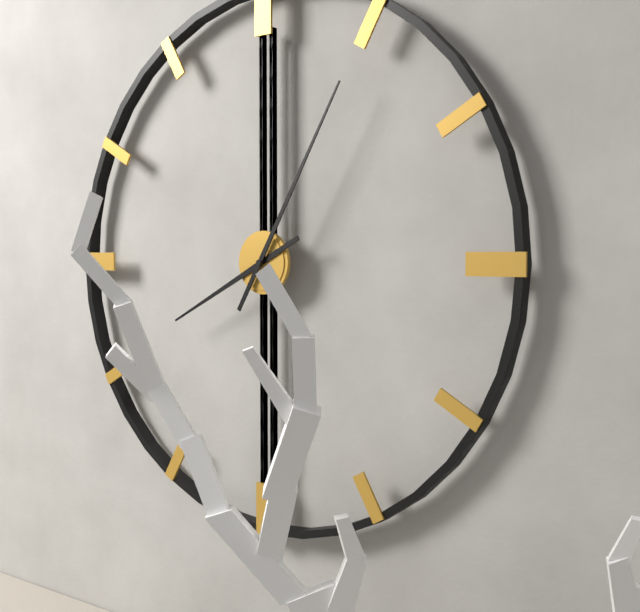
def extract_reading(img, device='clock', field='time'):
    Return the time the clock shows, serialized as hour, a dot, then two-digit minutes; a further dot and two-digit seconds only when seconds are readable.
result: 8.05
